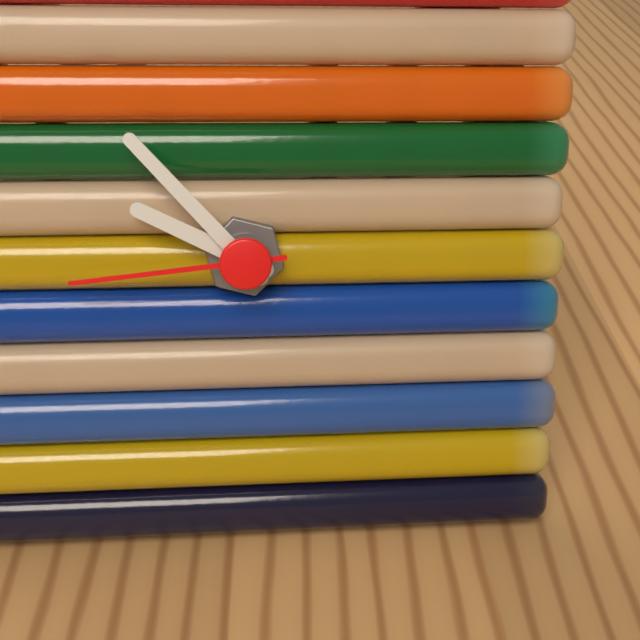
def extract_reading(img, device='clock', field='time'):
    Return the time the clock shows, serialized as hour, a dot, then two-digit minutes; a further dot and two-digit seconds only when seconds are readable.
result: 9.53.44
